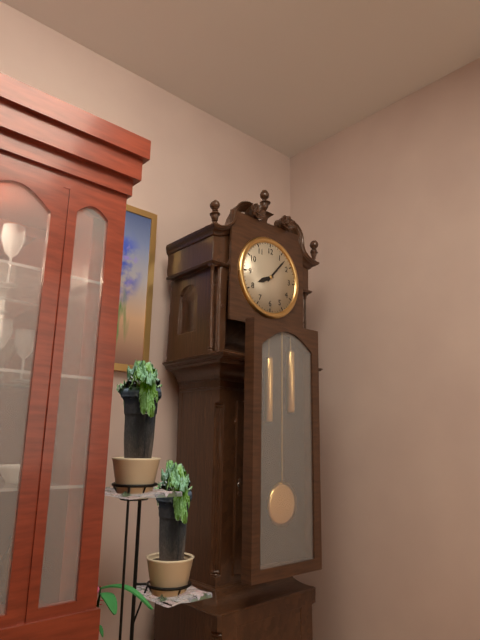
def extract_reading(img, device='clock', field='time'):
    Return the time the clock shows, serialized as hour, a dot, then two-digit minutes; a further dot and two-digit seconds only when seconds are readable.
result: 8.07
